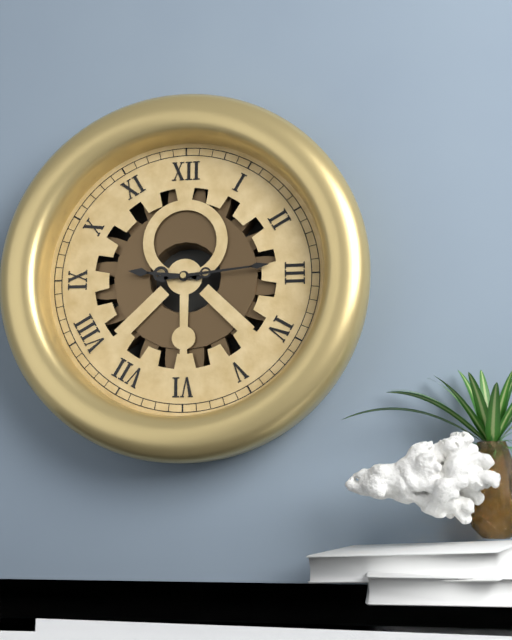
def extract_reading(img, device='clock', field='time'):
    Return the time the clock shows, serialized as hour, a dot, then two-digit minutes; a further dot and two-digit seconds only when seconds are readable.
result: 9.14
